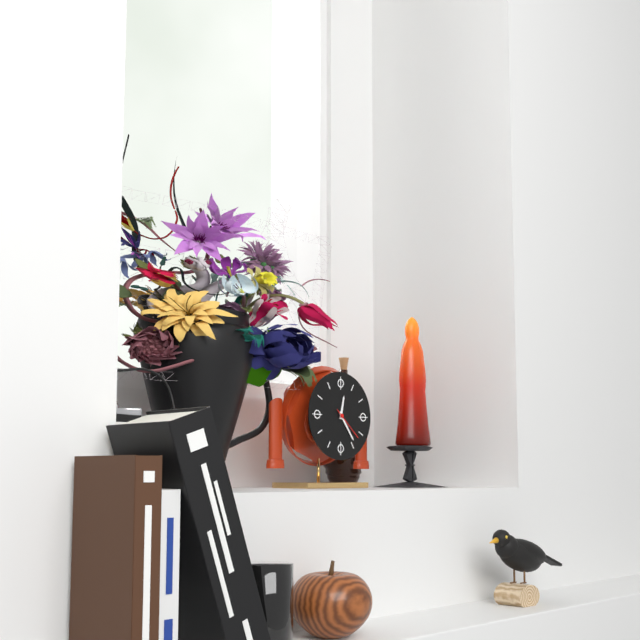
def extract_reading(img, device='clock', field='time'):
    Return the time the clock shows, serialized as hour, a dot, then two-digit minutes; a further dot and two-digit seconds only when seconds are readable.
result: 12.24
